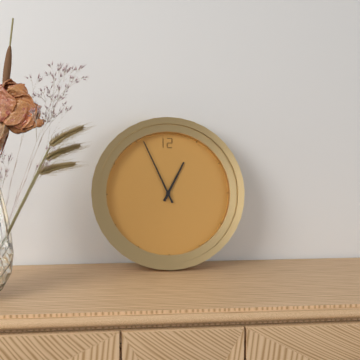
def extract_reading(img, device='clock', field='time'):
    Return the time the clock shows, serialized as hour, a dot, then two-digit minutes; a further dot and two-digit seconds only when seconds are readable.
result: 12.56
